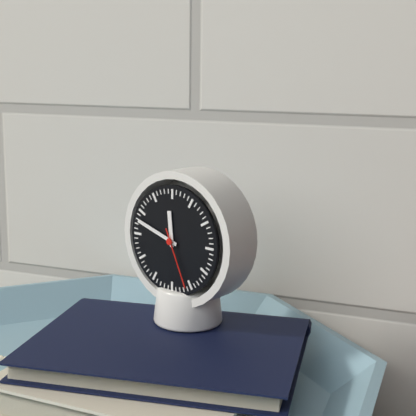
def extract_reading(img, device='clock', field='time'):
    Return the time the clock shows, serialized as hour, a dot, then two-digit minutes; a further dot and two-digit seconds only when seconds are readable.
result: 11.48.26
